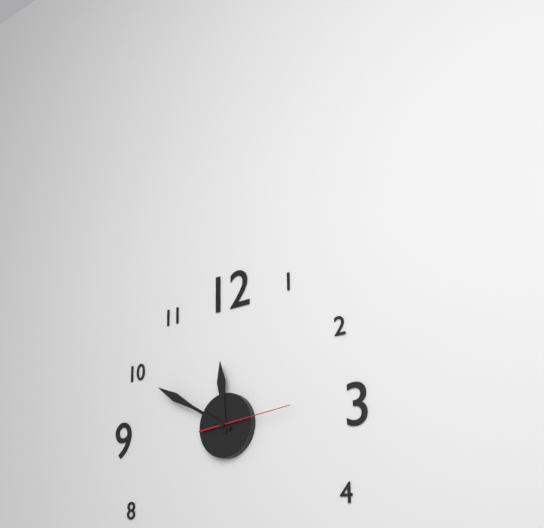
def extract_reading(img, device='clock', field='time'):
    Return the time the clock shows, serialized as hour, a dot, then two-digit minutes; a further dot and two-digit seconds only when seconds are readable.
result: 11.50.14
